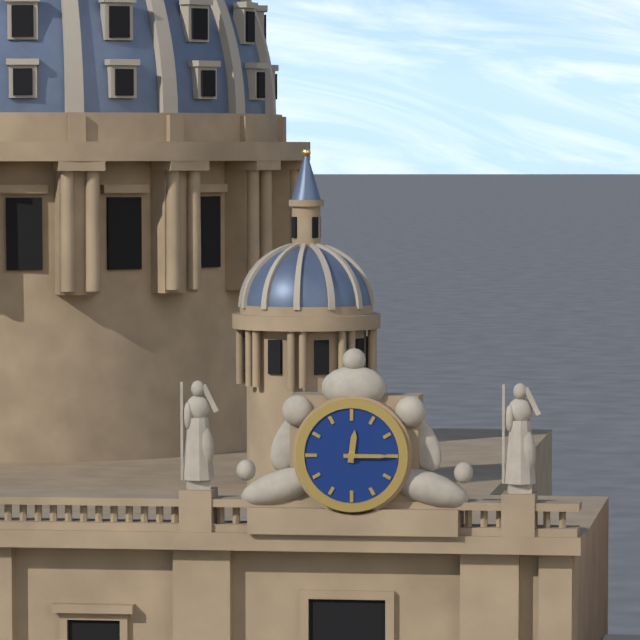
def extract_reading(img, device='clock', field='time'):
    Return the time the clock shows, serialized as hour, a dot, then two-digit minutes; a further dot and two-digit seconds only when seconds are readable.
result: 12.15
